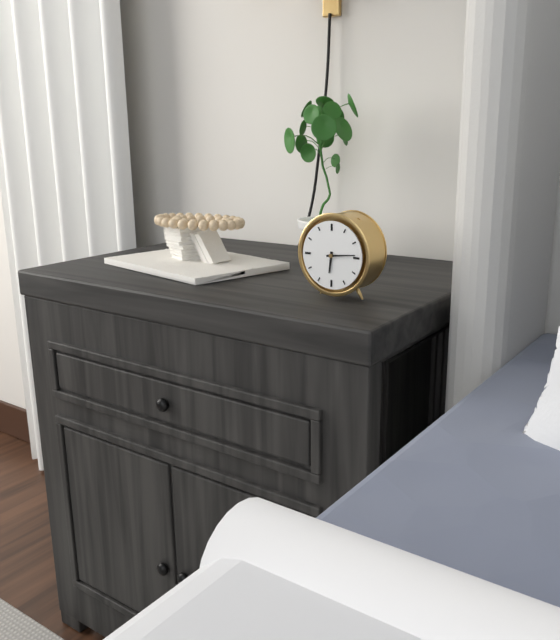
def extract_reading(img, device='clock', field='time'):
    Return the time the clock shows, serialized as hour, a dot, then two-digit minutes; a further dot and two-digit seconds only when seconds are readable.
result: 6.14
